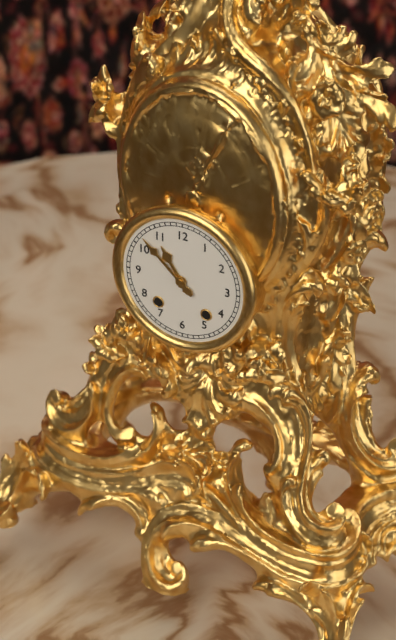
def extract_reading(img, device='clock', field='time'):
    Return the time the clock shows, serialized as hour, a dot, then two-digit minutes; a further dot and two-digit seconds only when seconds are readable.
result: 10.52
